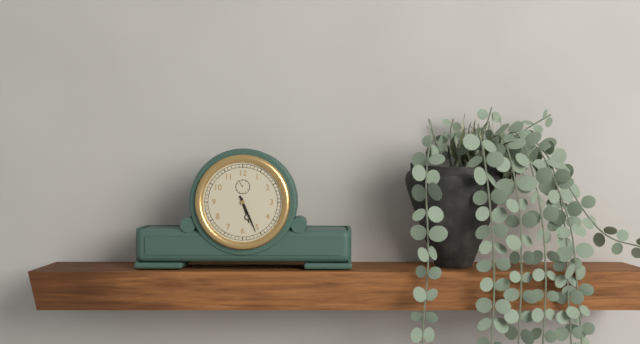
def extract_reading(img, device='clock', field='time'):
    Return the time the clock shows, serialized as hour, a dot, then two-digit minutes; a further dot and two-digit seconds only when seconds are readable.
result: 5.26
